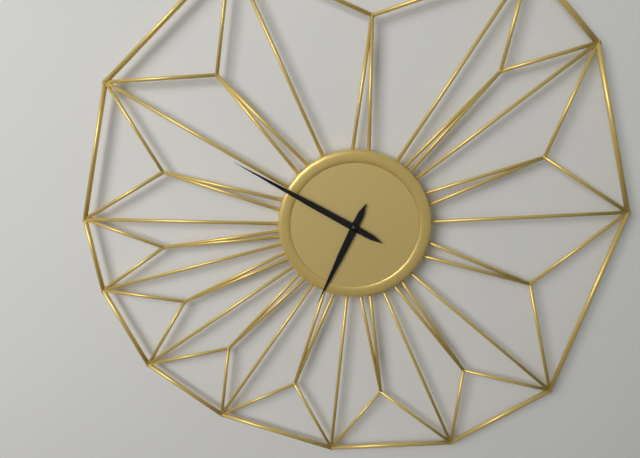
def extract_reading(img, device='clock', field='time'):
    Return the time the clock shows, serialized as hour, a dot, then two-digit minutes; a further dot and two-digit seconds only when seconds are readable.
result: 6.50
